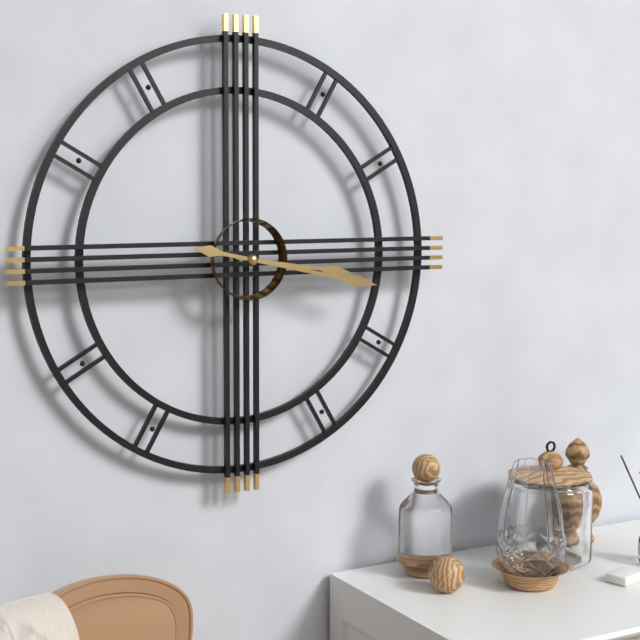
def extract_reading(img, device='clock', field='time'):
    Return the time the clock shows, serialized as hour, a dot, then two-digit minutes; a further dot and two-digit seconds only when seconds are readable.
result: 3.17
